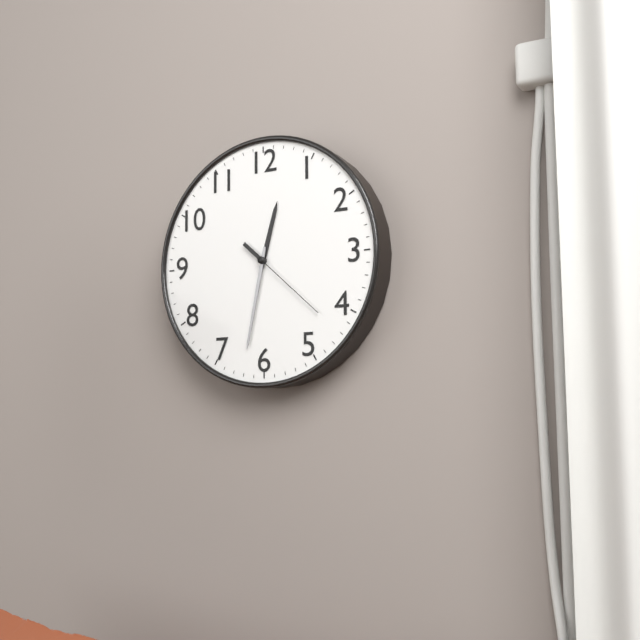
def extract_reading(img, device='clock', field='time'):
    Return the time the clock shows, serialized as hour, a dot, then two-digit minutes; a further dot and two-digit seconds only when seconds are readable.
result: 12.32.22
